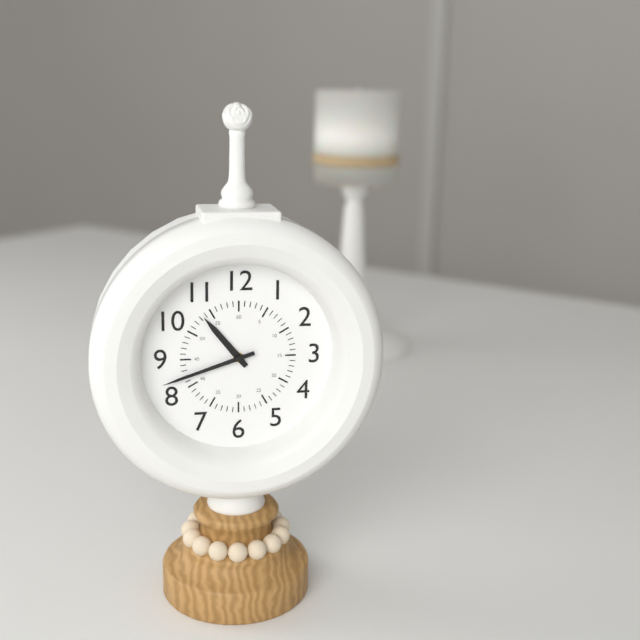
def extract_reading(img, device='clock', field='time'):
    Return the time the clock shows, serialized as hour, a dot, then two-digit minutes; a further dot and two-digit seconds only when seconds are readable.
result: 10.42
